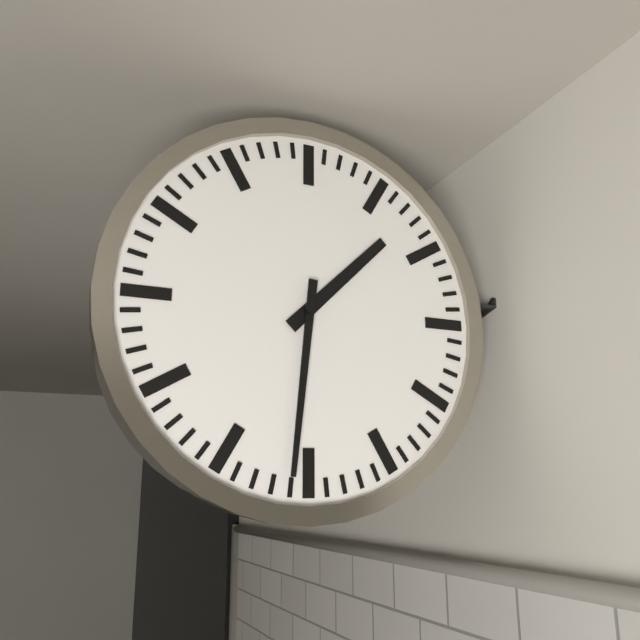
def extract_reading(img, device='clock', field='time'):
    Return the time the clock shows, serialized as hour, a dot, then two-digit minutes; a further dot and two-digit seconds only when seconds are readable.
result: 1.31
